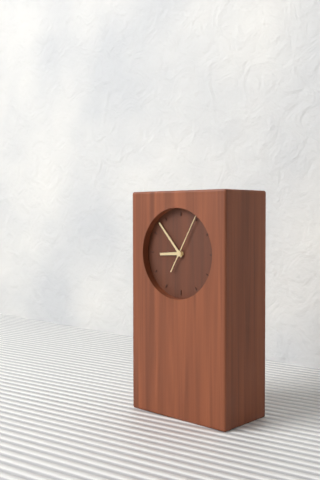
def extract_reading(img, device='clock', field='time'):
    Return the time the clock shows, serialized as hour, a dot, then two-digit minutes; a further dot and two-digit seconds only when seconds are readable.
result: 8.53.05
